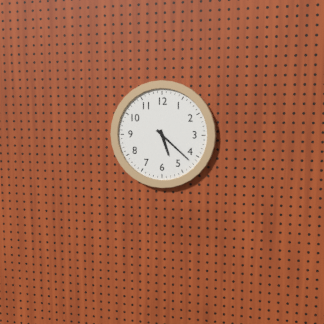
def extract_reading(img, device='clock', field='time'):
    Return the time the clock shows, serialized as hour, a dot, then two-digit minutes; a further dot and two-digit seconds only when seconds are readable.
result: 5.22
